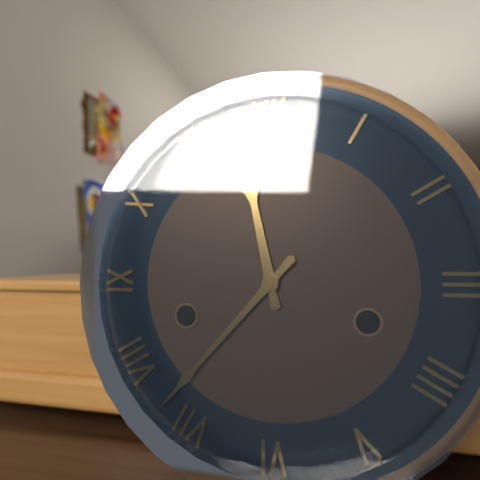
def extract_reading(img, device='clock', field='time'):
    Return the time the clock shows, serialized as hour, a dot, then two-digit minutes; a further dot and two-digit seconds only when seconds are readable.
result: 11.37
